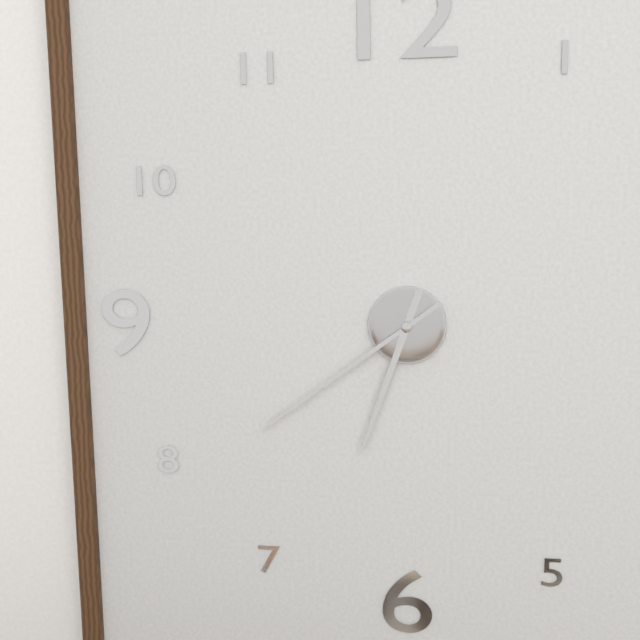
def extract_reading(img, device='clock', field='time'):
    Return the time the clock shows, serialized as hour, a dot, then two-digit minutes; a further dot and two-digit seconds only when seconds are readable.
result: 6.39
